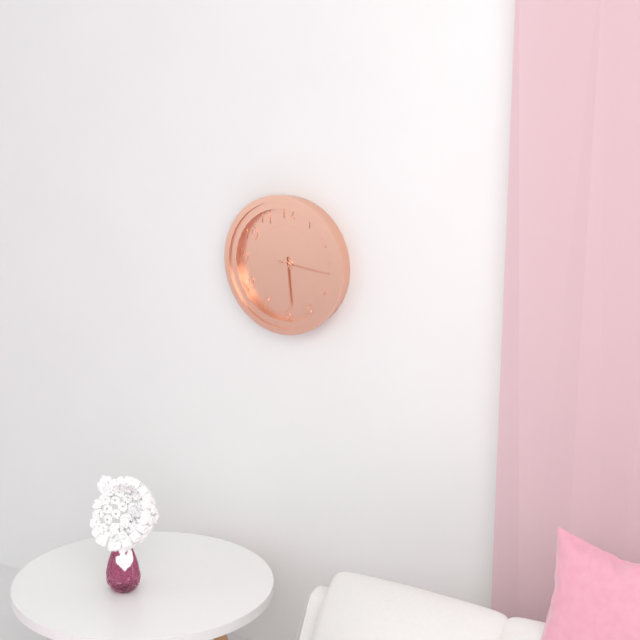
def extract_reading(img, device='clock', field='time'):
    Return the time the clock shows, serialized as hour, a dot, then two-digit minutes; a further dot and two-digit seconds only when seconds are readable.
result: 8.29.16
